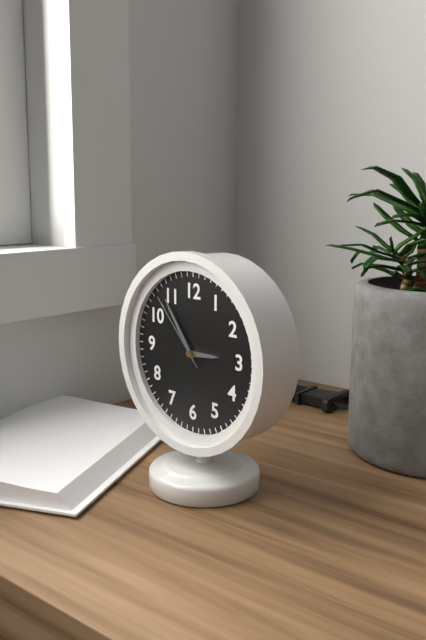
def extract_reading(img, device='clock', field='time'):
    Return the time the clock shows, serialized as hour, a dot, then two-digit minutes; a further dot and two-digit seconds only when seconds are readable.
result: 2.54.53
